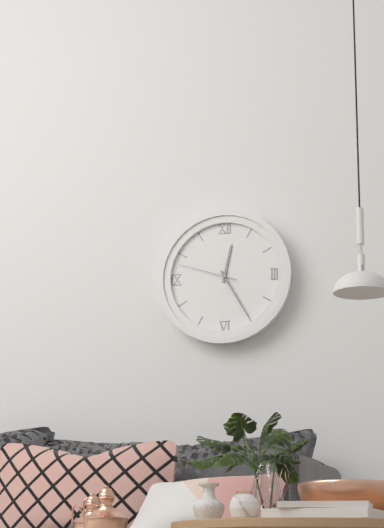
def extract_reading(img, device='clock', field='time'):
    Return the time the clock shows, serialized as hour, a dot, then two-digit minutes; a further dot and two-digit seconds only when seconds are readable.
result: 12.25.48
